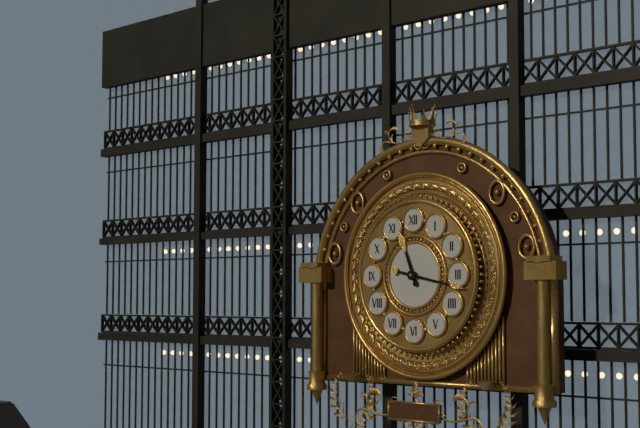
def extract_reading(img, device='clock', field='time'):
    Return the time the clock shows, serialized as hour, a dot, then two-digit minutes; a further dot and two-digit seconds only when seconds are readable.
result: 11.17
